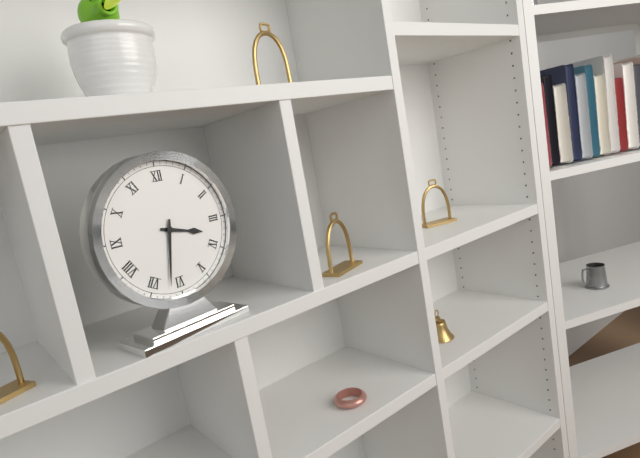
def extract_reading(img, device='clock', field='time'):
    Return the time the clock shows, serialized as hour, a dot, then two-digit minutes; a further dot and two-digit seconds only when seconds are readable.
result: 3.32
